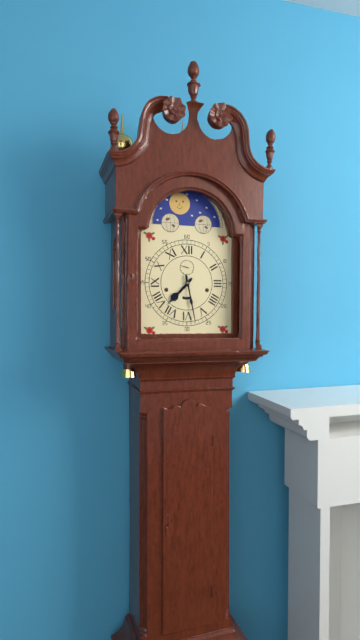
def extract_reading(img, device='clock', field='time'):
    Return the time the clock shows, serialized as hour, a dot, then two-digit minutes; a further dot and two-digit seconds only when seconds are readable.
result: 7.28
